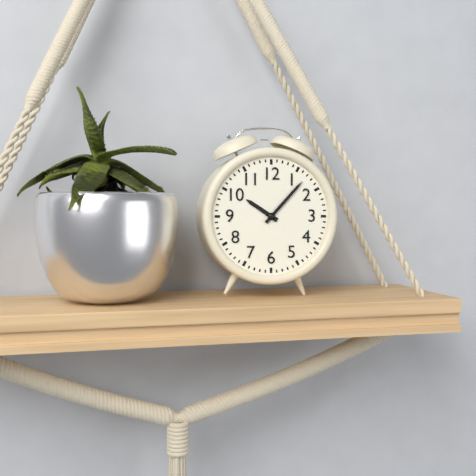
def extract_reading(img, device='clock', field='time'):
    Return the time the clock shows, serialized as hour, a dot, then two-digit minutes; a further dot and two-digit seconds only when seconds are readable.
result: 10.07
